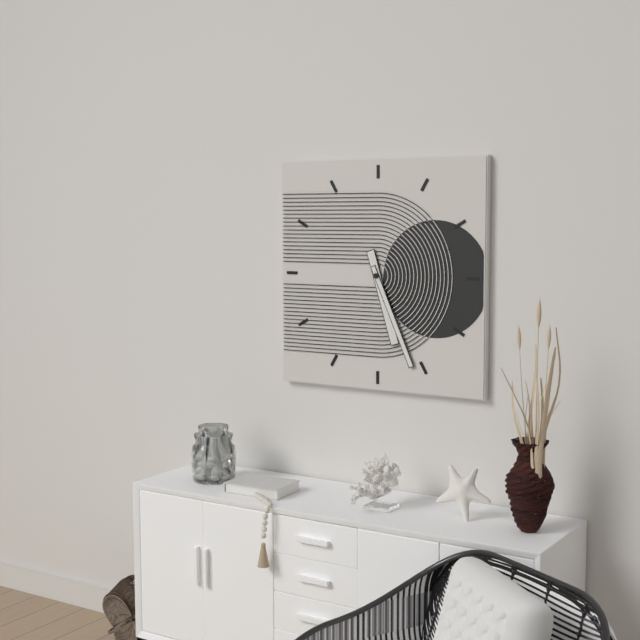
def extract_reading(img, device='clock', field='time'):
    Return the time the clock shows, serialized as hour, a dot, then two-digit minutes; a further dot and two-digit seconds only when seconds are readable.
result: 5.26
